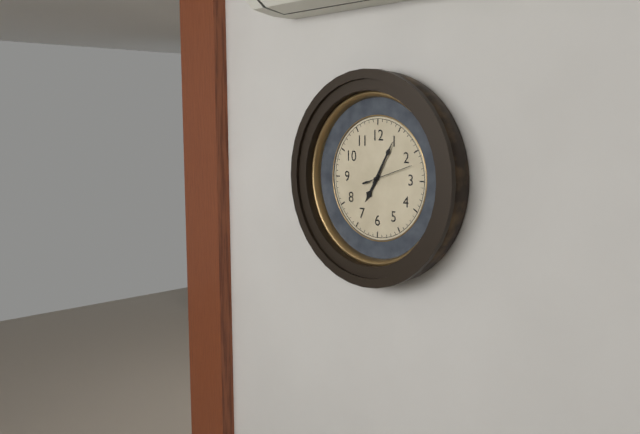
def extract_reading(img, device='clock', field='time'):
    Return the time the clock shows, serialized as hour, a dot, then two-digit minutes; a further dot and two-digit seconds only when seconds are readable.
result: 7.05
